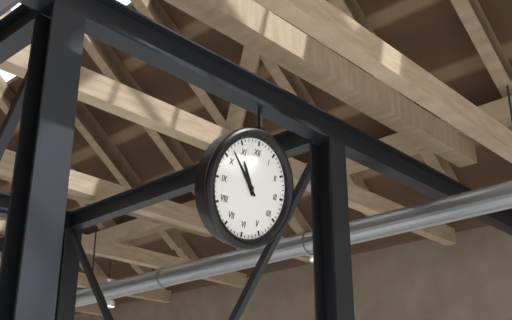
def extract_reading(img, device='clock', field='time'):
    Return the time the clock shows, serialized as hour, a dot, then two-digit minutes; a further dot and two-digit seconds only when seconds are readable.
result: 10.52
